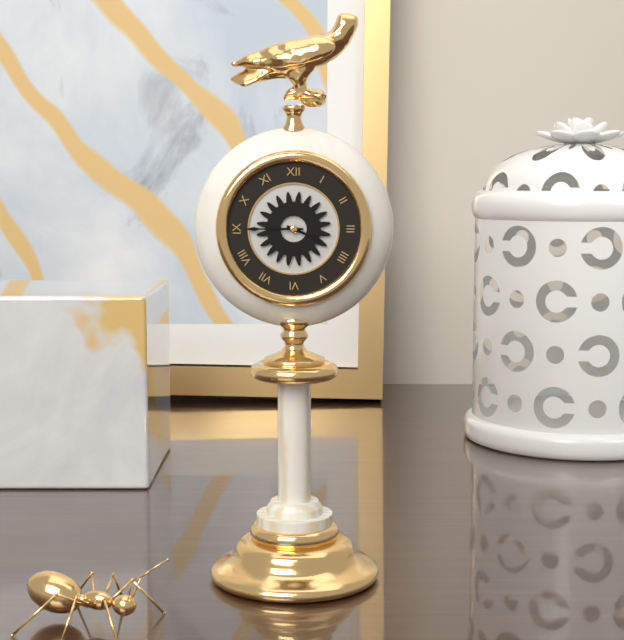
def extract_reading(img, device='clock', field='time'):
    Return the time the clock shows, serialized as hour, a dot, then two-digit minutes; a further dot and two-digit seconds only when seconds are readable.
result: 3.45
